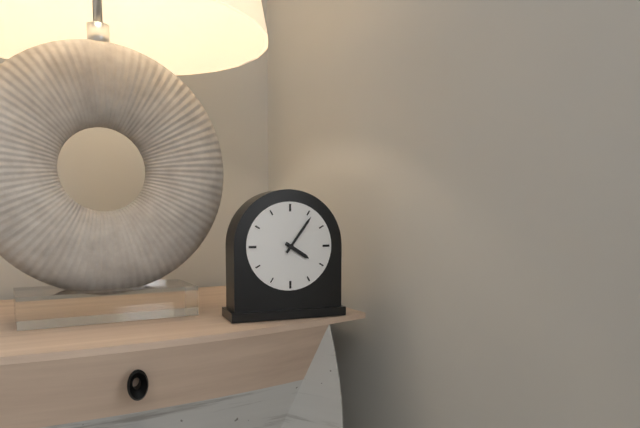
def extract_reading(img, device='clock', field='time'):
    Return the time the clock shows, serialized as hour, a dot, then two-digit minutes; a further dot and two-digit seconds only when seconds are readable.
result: 4.06
